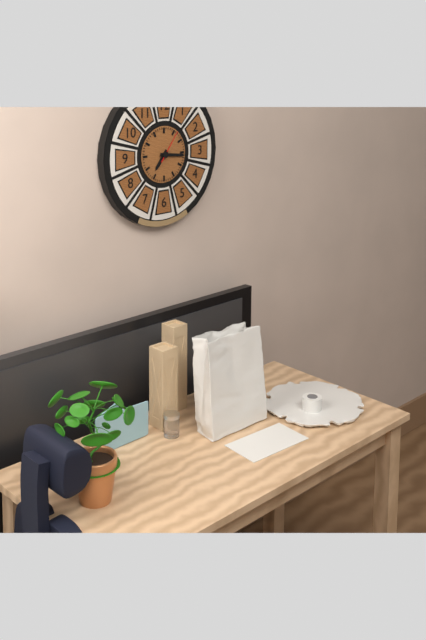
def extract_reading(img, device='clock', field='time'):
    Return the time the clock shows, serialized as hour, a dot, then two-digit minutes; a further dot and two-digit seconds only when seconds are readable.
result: 7.16
